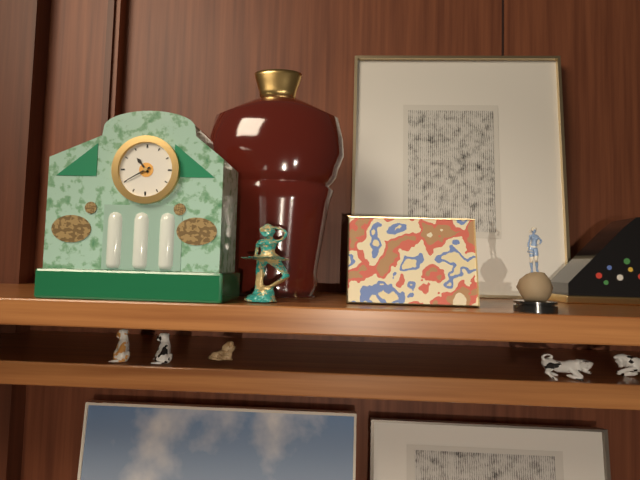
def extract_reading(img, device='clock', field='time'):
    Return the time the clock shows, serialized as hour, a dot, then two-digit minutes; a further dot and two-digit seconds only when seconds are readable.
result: 10.40
